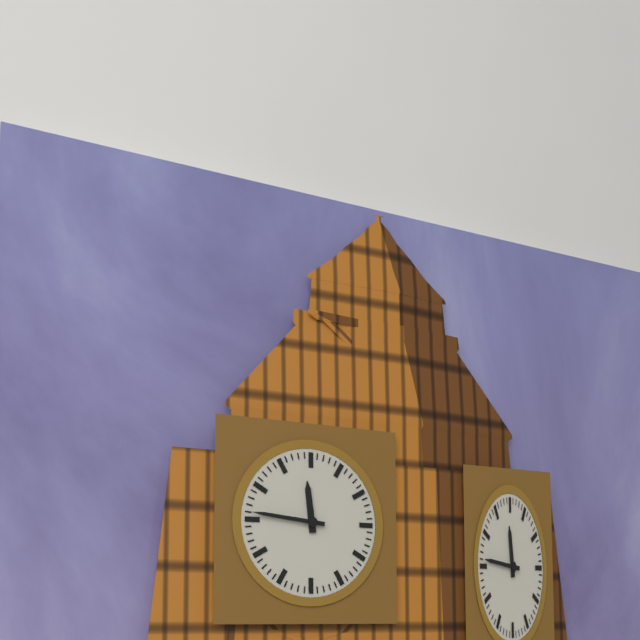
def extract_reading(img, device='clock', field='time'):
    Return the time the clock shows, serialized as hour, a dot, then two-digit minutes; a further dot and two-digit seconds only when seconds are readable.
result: 11.46
